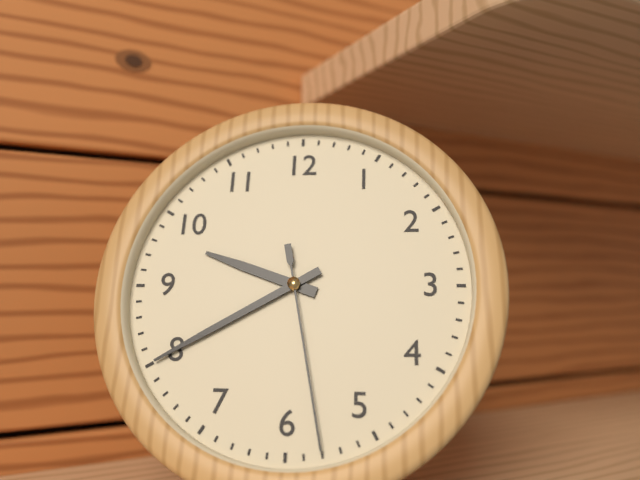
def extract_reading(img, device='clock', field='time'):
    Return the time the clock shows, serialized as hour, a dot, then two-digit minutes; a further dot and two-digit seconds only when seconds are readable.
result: 9.40.28
